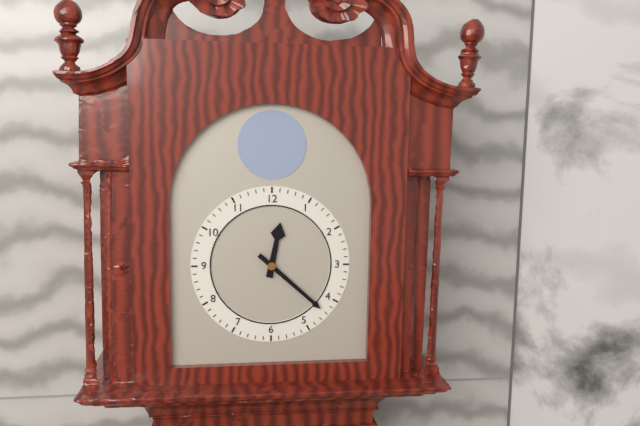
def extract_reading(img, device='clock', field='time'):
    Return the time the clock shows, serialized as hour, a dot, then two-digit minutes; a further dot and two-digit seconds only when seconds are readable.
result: 12.22
